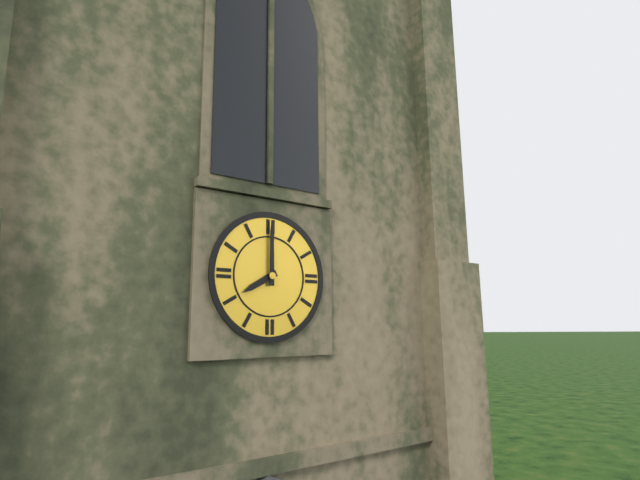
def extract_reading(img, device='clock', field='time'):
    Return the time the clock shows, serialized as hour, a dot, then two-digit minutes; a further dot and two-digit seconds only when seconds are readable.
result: 8.00
